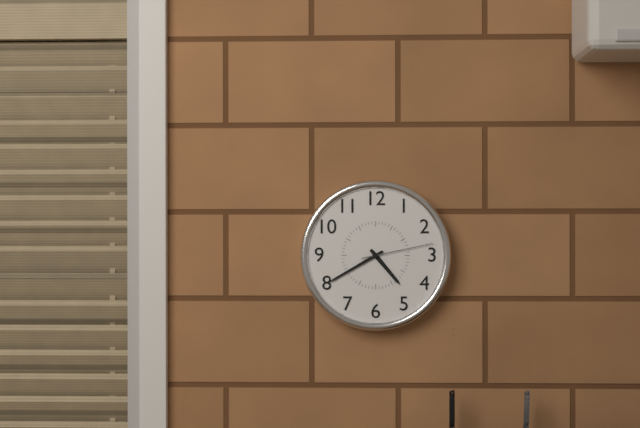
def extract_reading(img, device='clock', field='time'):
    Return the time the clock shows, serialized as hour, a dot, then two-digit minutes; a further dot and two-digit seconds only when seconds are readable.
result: 4.40.13
